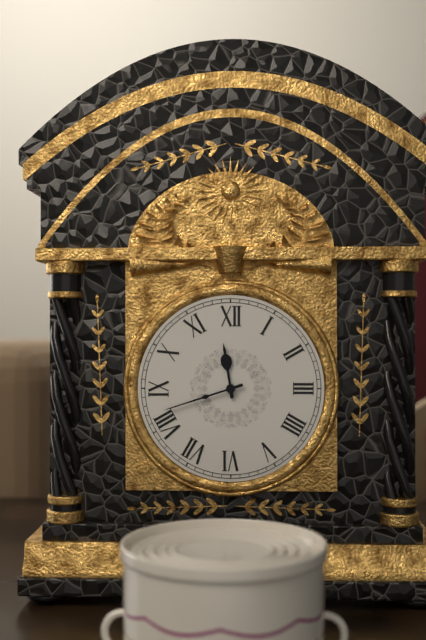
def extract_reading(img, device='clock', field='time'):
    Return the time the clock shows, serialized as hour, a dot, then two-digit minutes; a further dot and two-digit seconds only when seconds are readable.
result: 11.42
